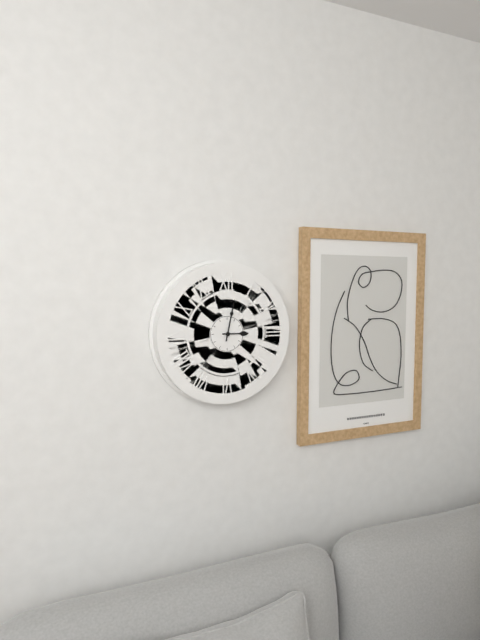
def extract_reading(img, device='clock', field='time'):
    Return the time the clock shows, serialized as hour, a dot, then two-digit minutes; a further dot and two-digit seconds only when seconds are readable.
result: 3.02
